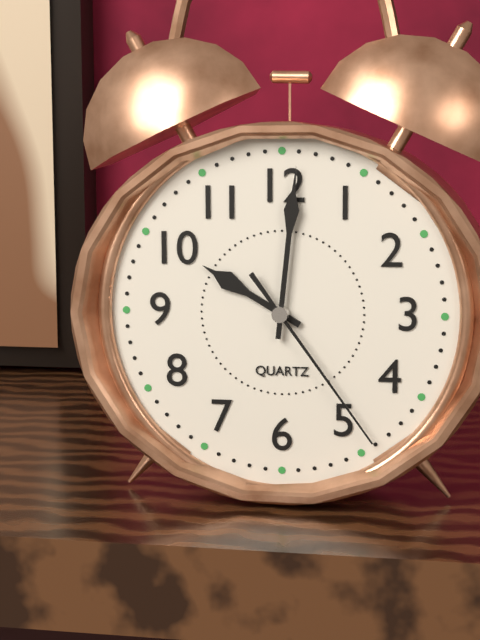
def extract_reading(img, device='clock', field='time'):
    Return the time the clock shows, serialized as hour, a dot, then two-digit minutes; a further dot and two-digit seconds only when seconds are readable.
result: 10.01.24
